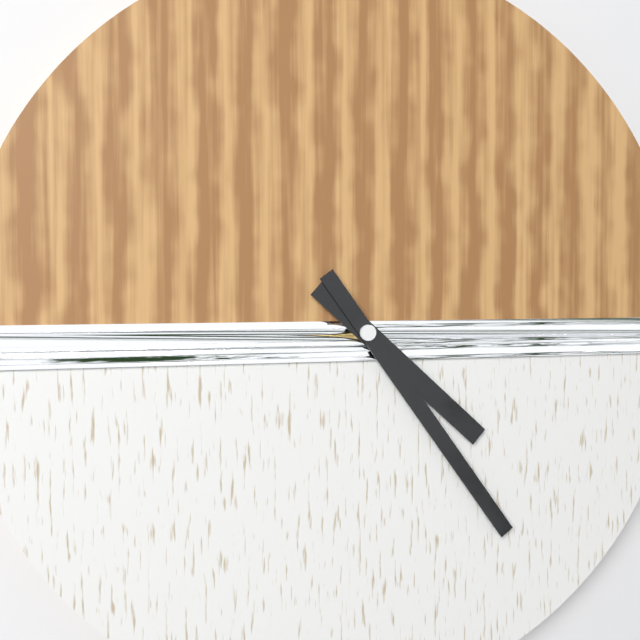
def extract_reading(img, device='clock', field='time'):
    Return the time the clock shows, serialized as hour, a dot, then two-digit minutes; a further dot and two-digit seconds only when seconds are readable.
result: 4.24
